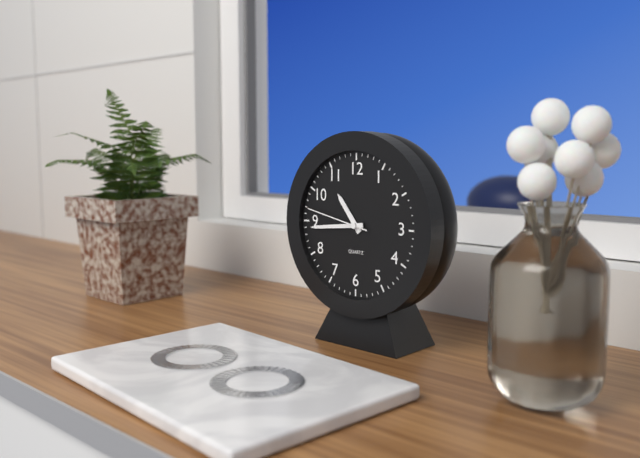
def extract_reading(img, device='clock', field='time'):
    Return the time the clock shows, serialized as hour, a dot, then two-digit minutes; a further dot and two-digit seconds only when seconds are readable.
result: 10.44.47
